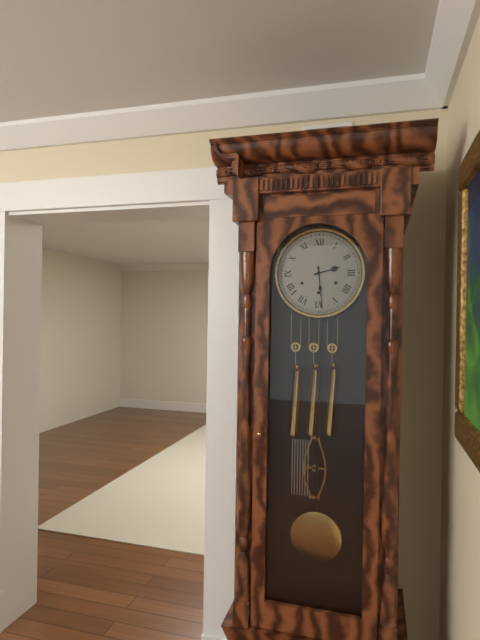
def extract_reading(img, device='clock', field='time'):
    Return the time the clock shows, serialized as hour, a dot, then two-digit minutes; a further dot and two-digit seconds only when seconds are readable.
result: 2.29
